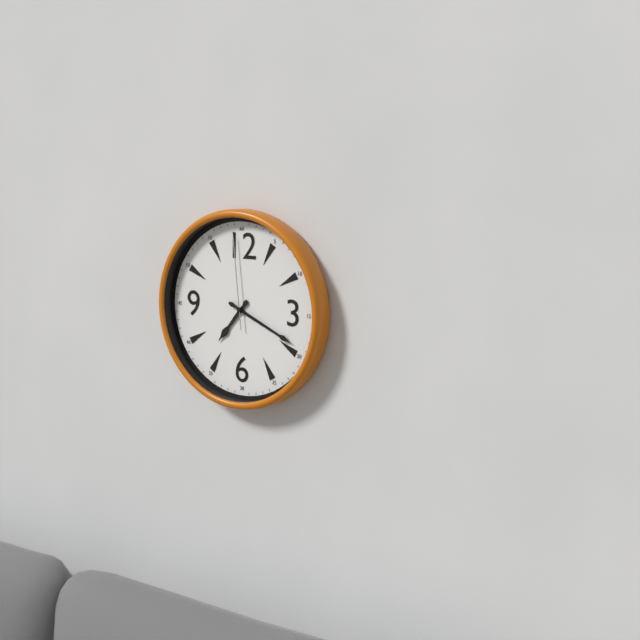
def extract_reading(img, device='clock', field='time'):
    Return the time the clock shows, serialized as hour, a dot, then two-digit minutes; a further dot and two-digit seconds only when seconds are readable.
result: 7.19.59
